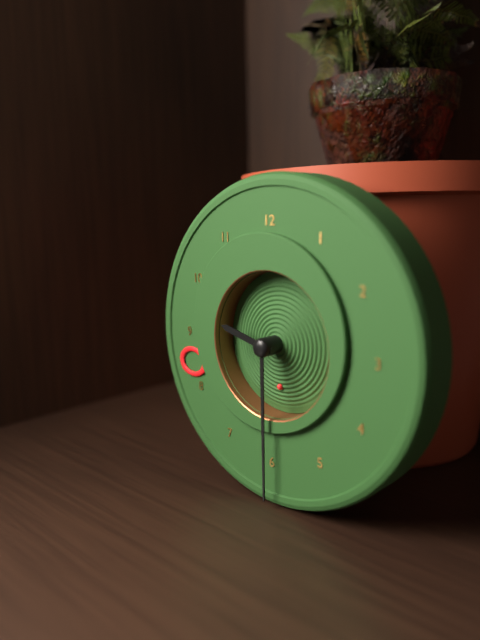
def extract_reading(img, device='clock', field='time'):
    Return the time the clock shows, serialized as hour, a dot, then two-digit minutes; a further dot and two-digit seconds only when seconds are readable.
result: 9.30.30
